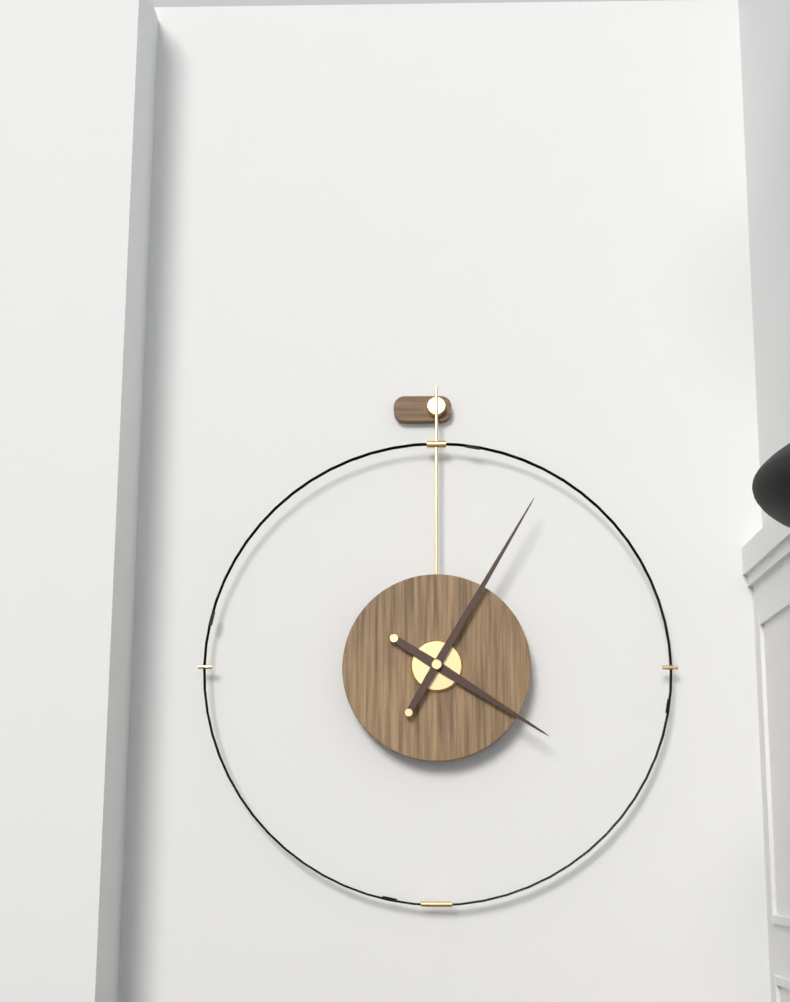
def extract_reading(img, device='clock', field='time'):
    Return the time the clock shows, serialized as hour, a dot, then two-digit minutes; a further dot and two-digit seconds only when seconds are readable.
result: 4.05
